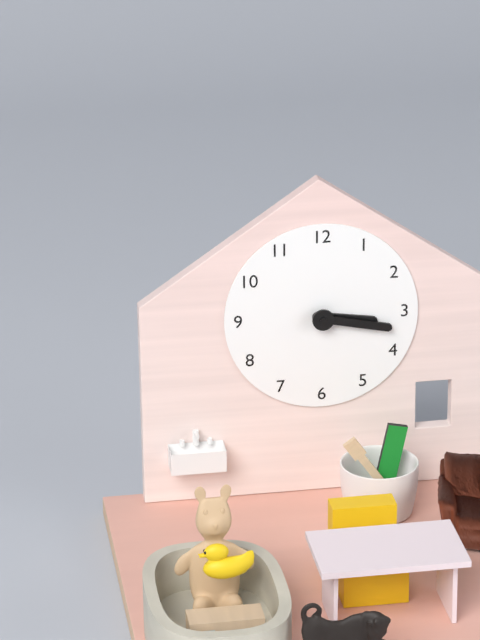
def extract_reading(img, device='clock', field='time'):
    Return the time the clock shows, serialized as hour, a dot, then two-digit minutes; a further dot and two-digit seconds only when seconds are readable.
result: 3.17
